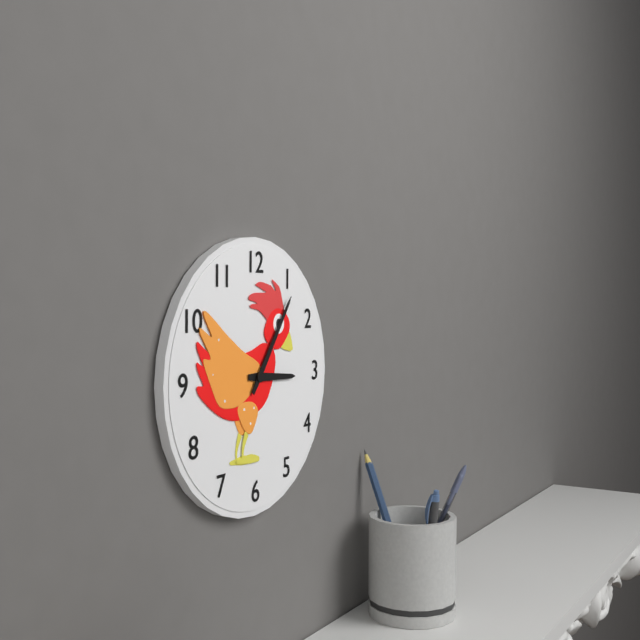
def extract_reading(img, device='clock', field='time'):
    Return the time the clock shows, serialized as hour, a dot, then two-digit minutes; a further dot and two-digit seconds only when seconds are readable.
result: 3.06
